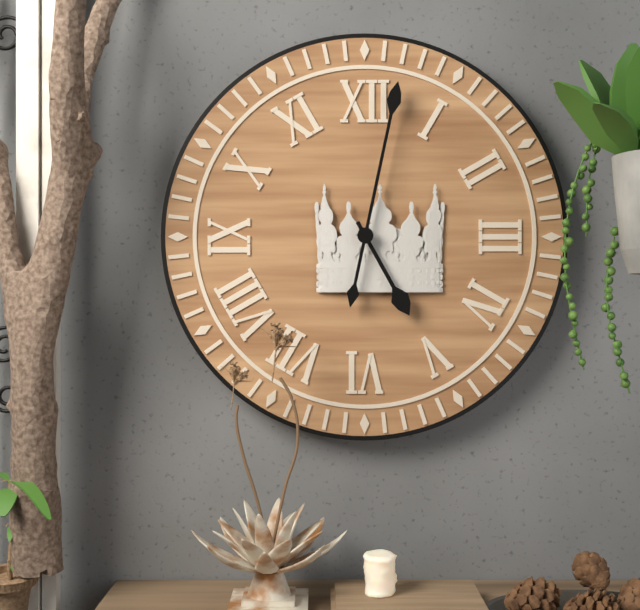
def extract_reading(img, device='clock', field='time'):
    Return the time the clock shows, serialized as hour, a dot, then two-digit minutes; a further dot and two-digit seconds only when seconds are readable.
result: 5.02
